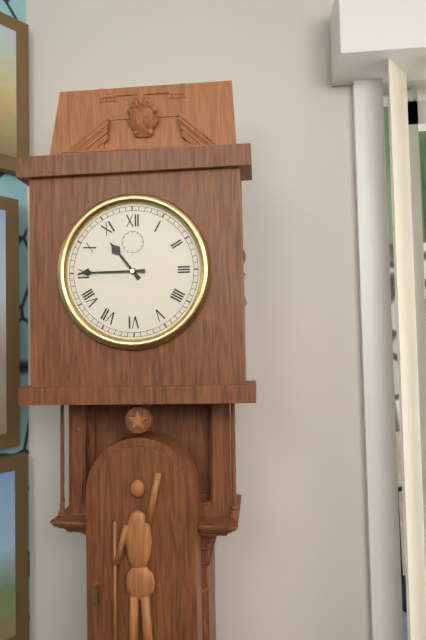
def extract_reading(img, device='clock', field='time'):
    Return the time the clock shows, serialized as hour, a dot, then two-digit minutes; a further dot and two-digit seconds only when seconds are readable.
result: 10.45
